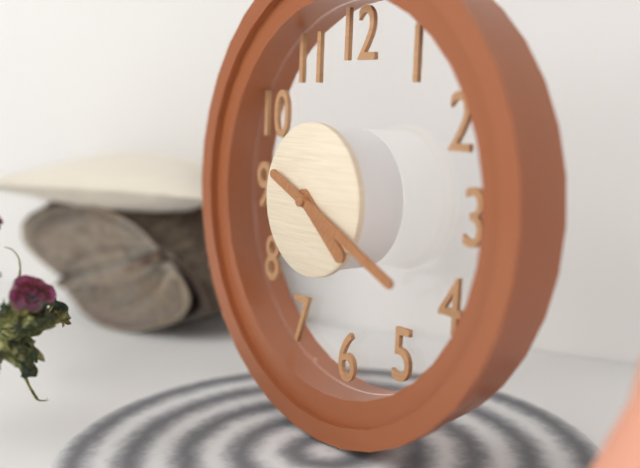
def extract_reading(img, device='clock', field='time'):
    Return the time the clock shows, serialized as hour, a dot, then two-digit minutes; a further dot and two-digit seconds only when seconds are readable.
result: 4.19
